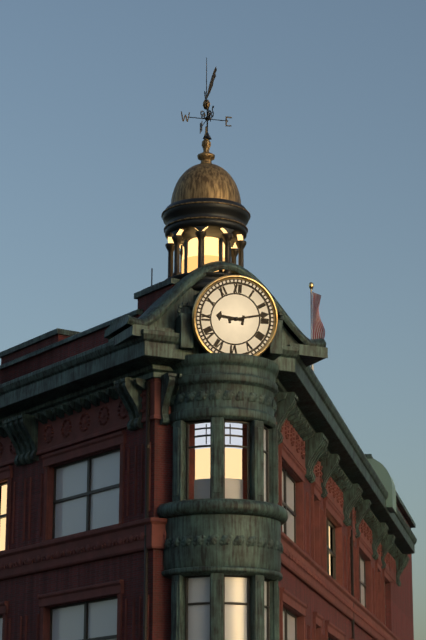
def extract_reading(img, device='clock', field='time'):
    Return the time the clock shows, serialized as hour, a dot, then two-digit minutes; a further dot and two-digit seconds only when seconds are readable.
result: 9.13
